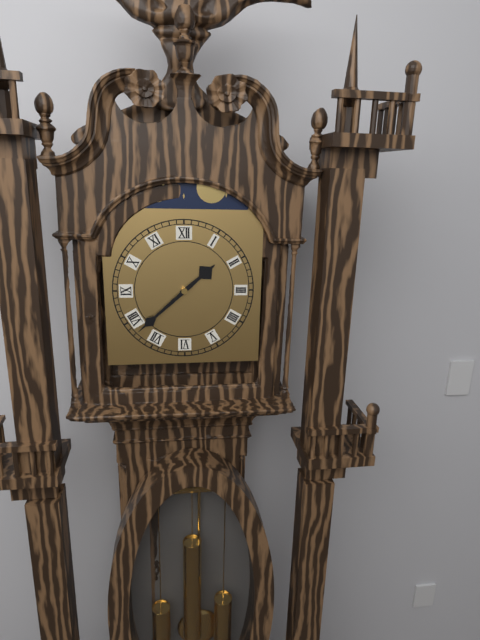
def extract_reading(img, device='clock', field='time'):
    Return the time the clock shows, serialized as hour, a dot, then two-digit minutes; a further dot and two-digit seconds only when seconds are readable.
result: 1.38
